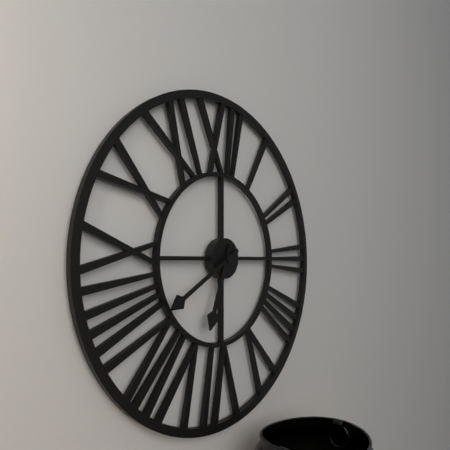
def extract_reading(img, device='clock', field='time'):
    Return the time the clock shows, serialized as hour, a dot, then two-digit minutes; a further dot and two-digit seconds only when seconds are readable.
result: 6.40
